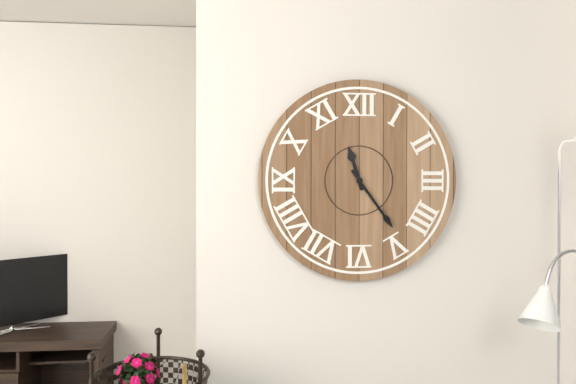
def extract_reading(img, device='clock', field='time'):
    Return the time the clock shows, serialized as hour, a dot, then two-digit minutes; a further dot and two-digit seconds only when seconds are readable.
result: 11.24
